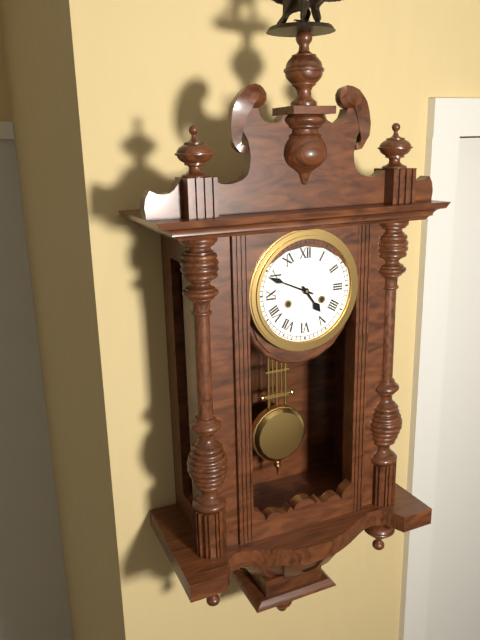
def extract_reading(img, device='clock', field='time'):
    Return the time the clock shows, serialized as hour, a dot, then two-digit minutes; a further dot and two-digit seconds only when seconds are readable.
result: 4.49
